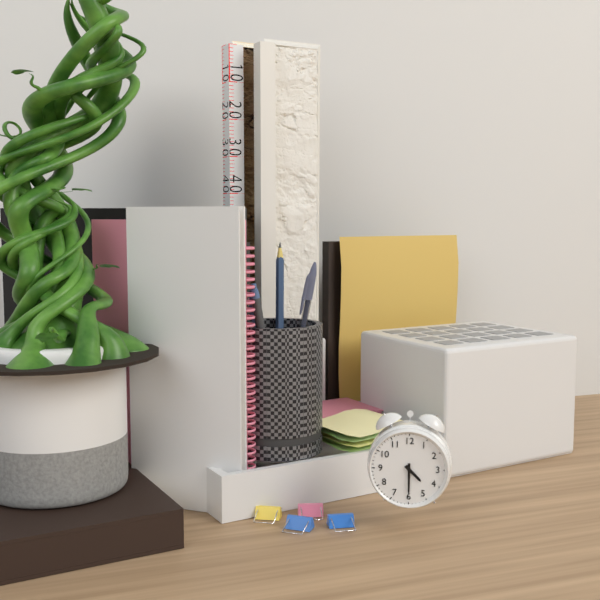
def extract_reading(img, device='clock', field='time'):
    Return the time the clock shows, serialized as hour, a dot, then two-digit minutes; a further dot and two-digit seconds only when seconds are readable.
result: 4.30
